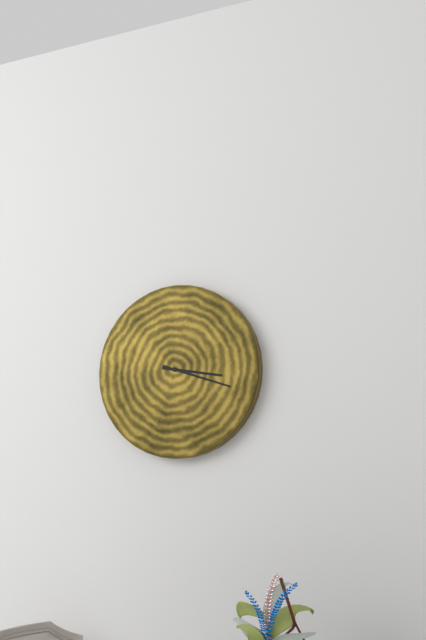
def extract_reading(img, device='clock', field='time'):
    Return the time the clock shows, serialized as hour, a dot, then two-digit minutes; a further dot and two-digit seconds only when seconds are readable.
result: 3.18
